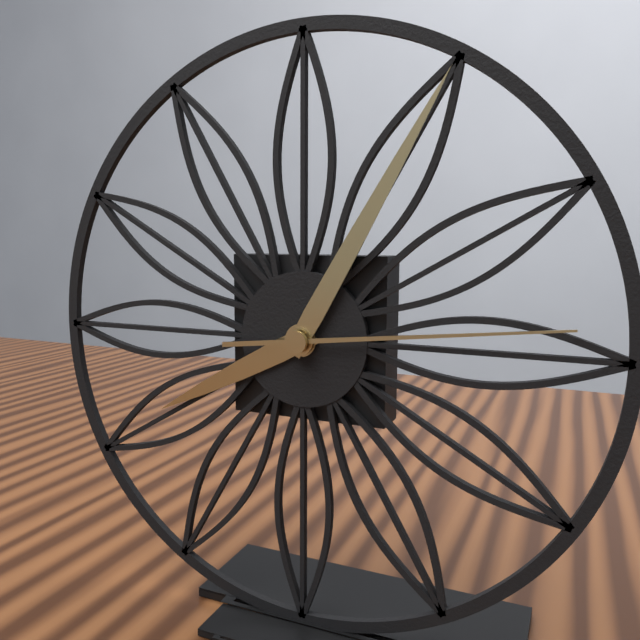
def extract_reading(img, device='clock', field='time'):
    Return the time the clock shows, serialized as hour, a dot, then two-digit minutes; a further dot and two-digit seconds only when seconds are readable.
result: 8.05.14
